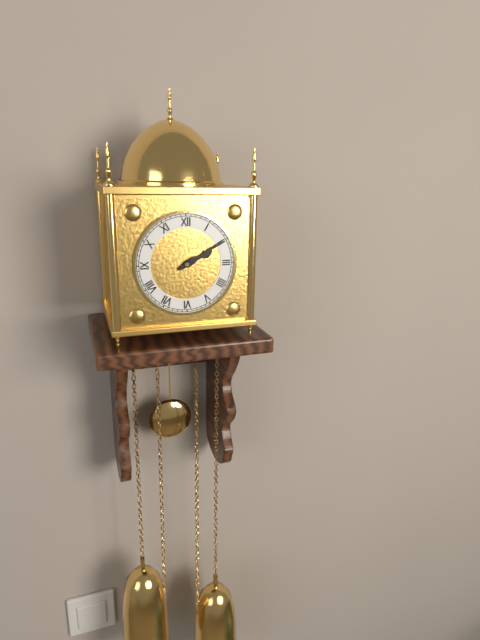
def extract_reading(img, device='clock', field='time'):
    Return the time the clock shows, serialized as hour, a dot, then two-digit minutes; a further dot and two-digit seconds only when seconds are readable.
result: 2.10
